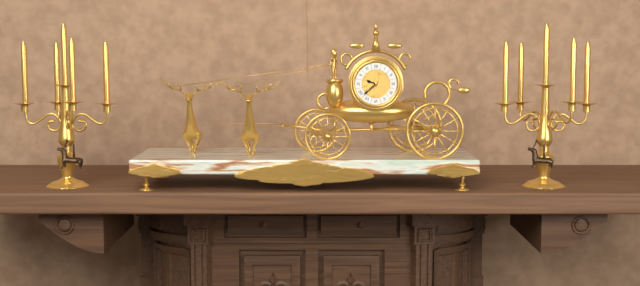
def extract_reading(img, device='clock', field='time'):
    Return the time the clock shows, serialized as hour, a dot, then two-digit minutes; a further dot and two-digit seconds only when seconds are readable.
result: 9.38
